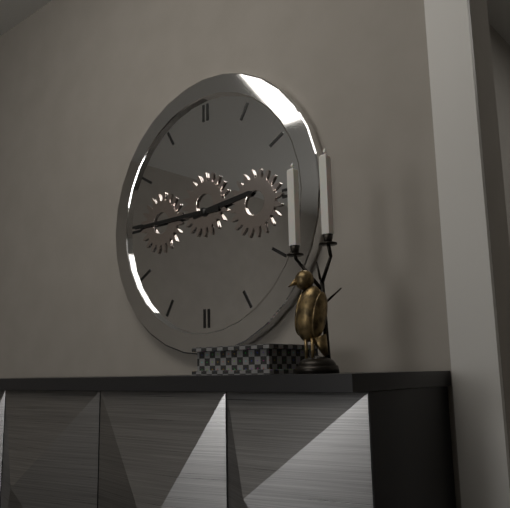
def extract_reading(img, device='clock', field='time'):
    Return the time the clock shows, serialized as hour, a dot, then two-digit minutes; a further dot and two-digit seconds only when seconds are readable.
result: 2.45
